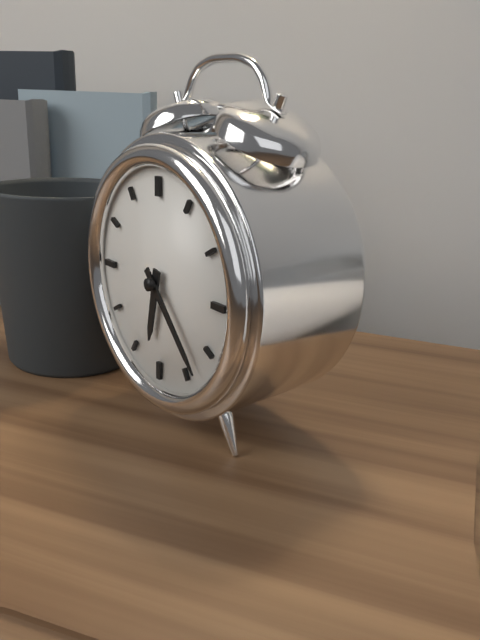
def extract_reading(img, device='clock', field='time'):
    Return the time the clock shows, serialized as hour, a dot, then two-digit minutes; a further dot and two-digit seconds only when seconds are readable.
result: 6.23
